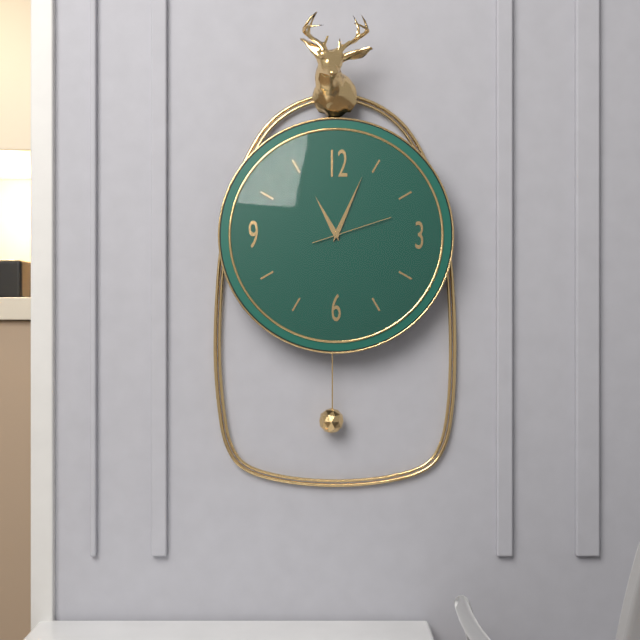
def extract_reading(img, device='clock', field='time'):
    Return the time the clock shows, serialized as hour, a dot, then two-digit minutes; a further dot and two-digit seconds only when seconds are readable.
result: 11.04.12
